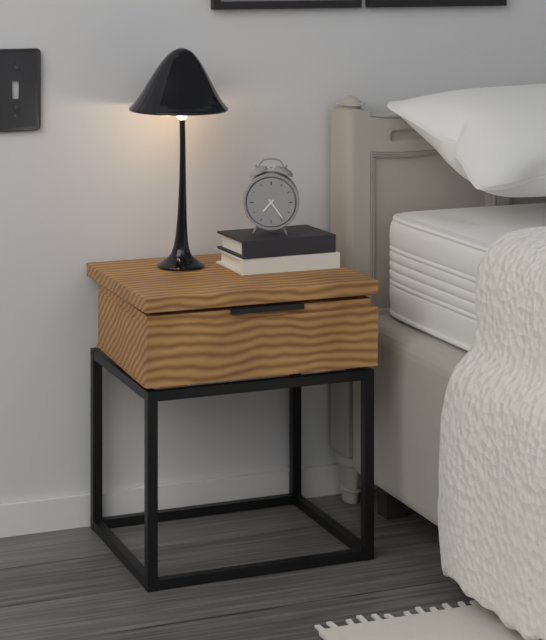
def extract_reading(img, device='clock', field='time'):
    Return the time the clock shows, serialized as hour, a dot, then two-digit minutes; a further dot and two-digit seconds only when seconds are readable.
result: 7.24
